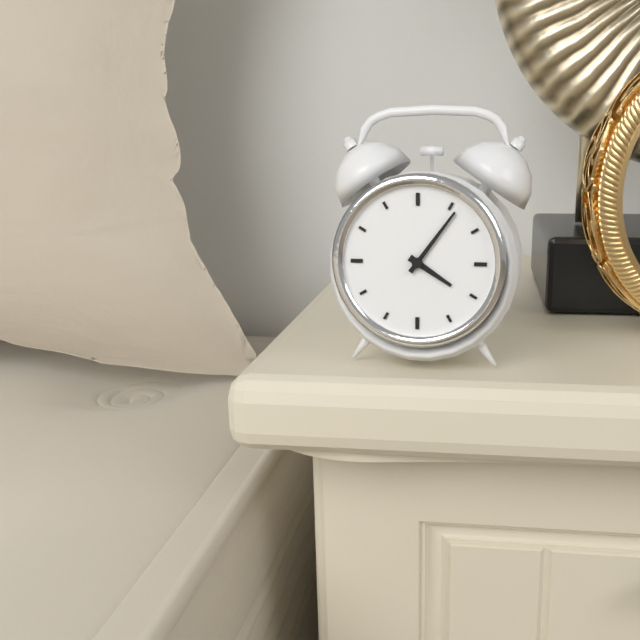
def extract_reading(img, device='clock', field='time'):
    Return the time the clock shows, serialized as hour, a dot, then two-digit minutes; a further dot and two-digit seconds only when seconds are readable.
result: 4.06
